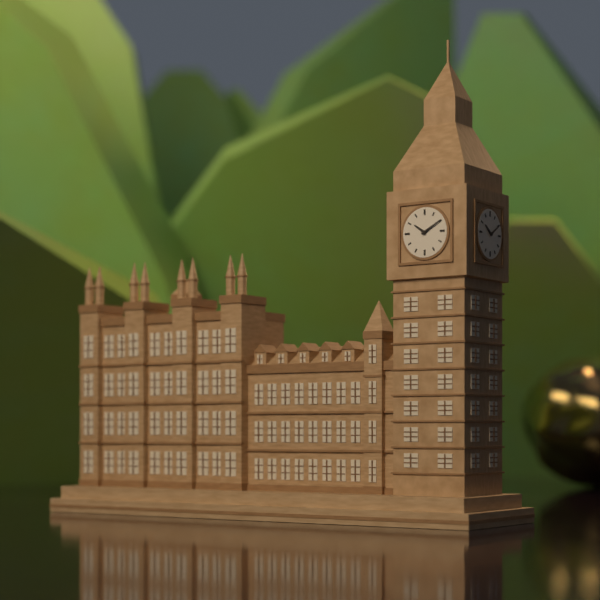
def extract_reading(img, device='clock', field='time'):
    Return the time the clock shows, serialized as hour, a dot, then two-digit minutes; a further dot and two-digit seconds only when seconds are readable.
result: 10.10
